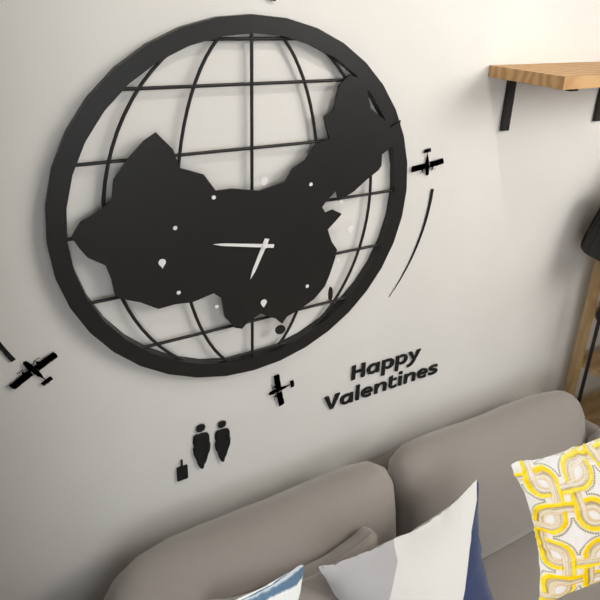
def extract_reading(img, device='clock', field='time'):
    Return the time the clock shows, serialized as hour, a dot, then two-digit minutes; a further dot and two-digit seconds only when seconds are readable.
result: 6.47
